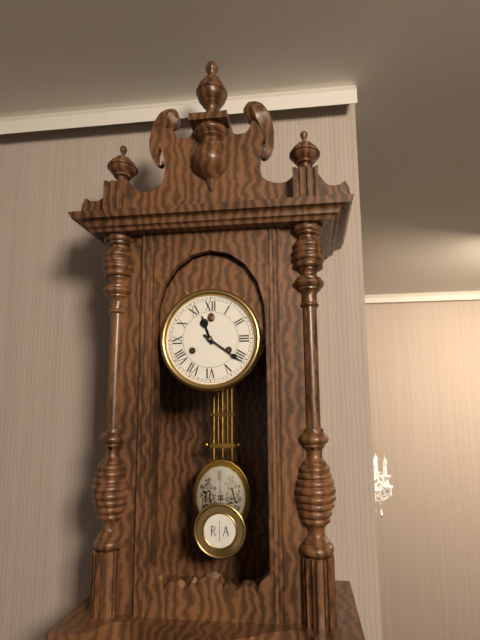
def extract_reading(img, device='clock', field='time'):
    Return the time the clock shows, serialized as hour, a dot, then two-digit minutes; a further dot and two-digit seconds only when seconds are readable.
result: 11.21
